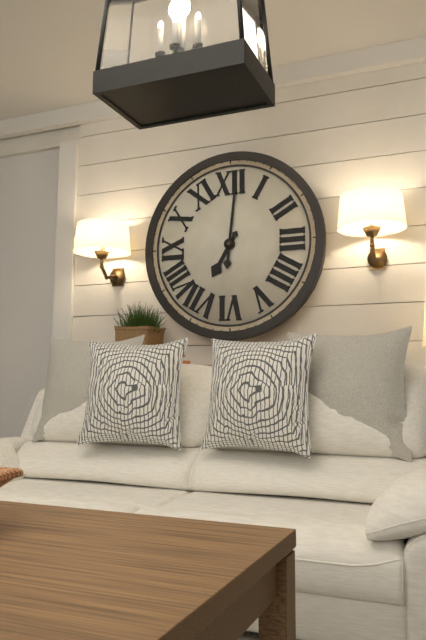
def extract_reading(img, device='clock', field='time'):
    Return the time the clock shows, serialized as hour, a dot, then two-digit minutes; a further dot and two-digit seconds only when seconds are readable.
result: 7.01
